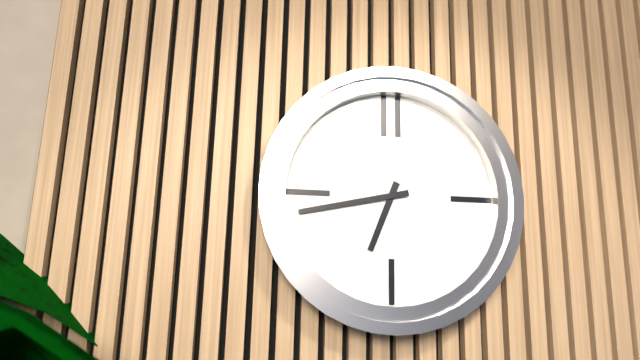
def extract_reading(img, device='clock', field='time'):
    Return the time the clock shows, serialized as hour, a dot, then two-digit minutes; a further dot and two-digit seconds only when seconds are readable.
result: 6.43
